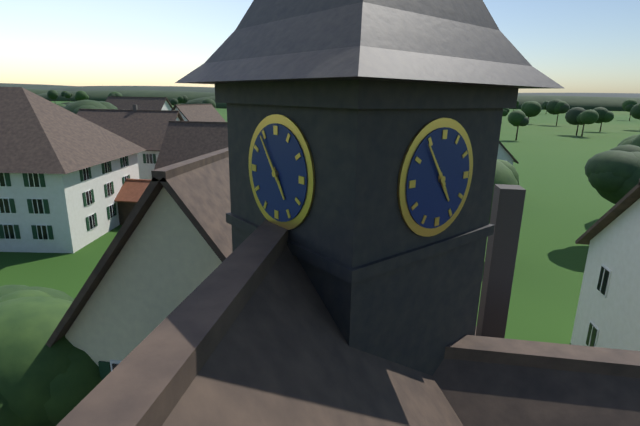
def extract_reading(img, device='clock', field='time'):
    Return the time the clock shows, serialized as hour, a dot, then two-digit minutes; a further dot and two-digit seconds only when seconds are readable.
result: 4.54
